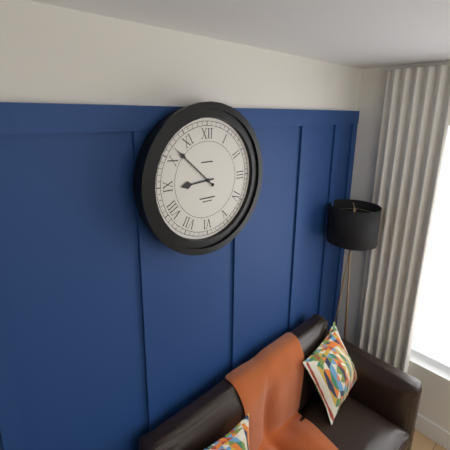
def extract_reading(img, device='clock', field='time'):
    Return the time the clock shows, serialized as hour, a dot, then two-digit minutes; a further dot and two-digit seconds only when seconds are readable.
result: 8.52
